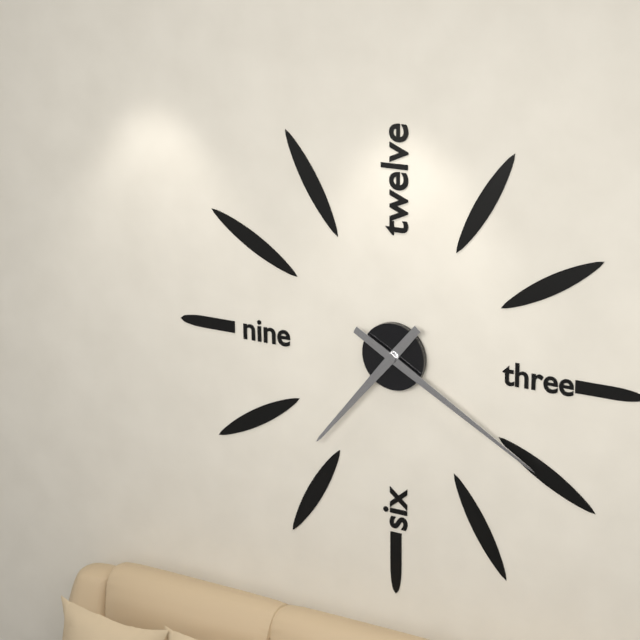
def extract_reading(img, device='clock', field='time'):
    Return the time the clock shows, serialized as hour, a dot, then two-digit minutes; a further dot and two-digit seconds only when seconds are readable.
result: 7.20
